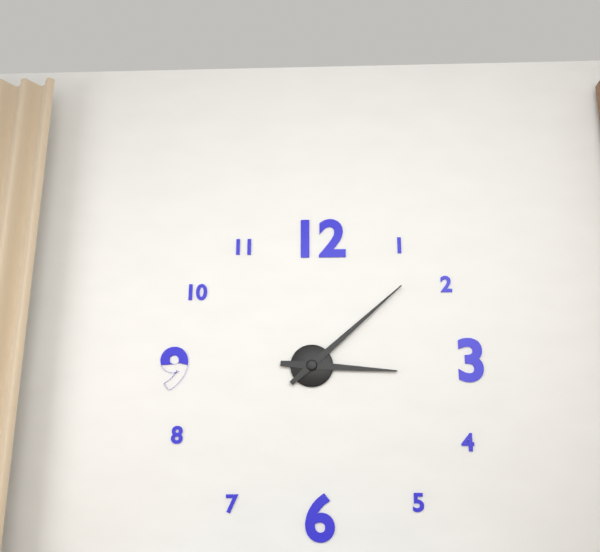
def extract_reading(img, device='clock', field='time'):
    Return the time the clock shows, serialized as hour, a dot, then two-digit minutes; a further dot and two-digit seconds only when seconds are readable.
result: 3.08
